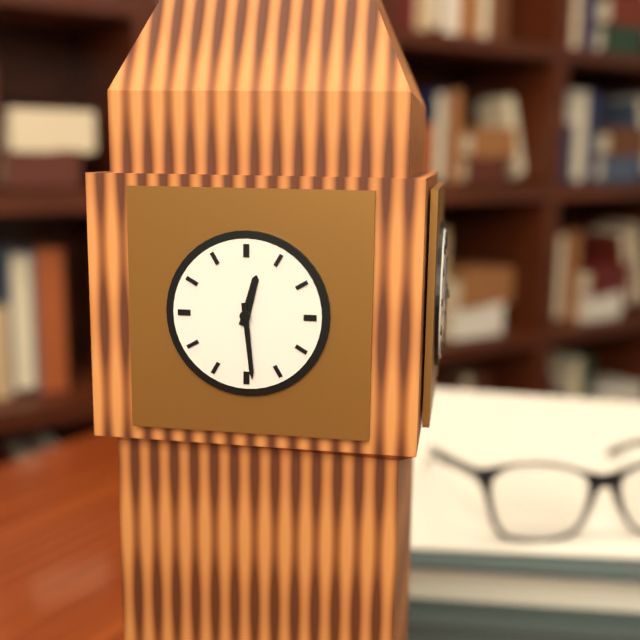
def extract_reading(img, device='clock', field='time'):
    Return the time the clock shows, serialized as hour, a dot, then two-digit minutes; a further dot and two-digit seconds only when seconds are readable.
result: 12.29
